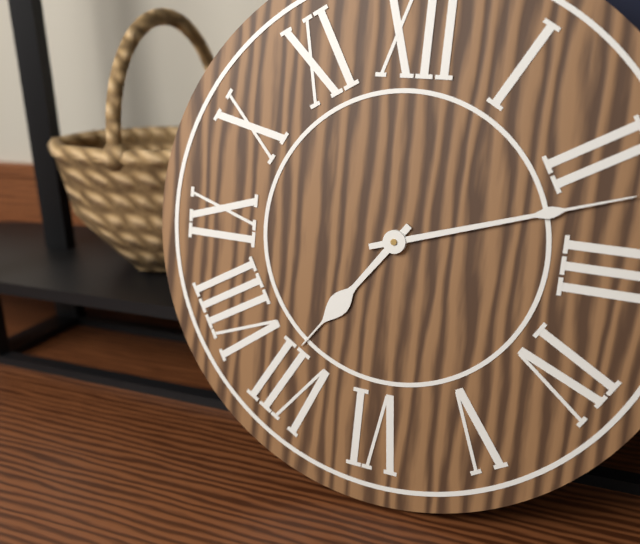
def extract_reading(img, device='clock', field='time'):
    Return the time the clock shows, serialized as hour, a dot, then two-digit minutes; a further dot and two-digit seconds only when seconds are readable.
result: 7.12
